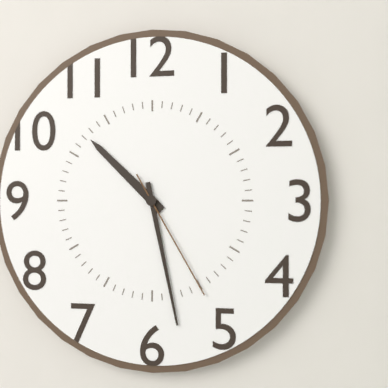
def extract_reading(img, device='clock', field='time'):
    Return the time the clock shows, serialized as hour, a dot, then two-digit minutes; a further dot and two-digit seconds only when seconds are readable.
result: 10.28.25
